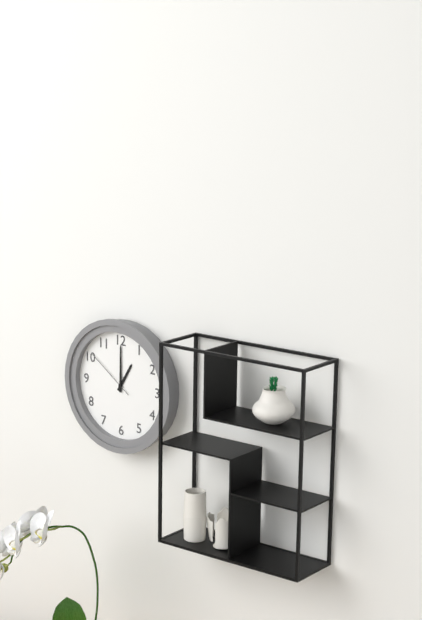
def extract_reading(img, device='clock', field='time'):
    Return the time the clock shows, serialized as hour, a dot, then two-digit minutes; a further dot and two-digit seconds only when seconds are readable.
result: 1.00.51
